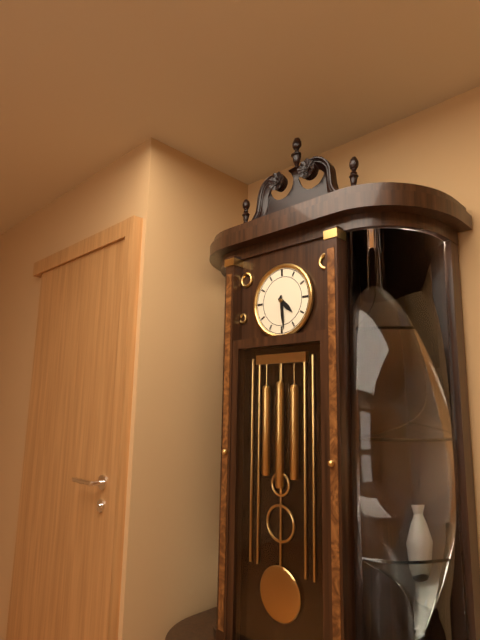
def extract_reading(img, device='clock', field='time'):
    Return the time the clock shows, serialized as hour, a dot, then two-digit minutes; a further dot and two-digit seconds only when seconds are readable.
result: 4.29
